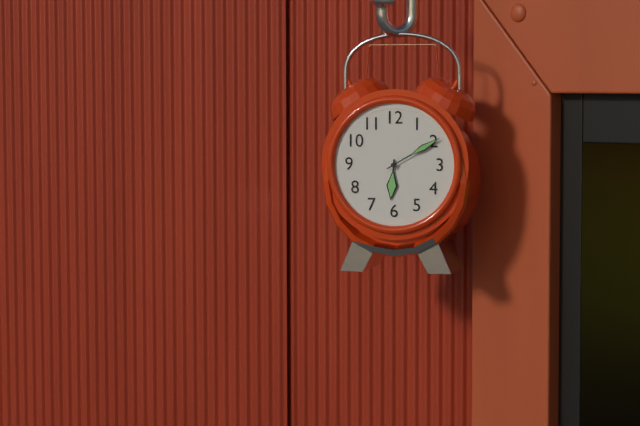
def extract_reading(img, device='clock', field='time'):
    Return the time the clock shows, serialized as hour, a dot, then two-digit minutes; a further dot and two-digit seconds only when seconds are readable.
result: 6.10
